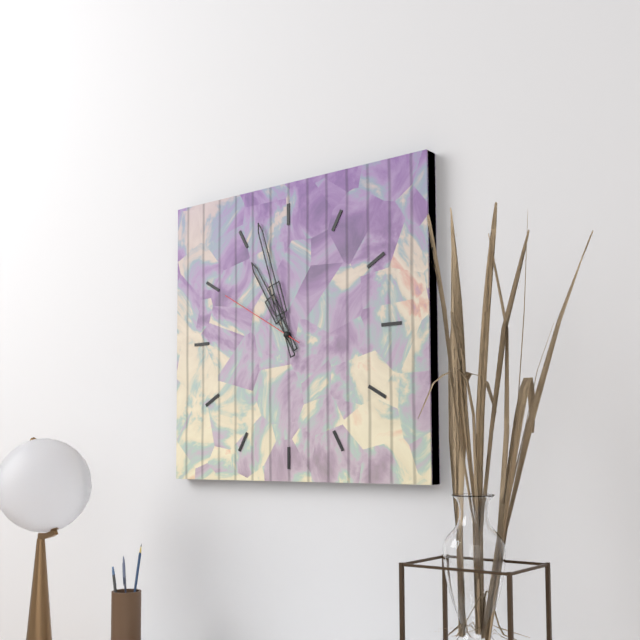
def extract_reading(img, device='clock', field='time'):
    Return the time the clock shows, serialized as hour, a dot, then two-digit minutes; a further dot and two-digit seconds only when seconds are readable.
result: 10.57.50
